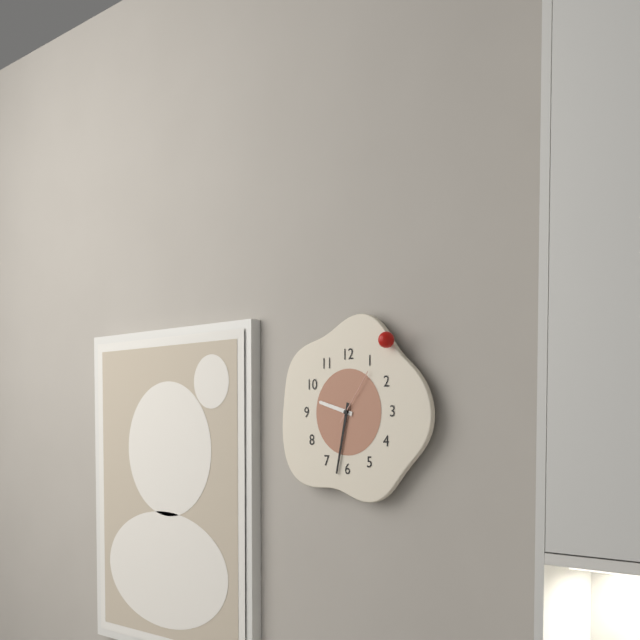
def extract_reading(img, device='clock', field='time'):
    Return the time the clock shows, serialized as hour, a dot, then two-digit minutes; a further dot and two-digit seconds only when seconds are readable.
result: 9.32.06
